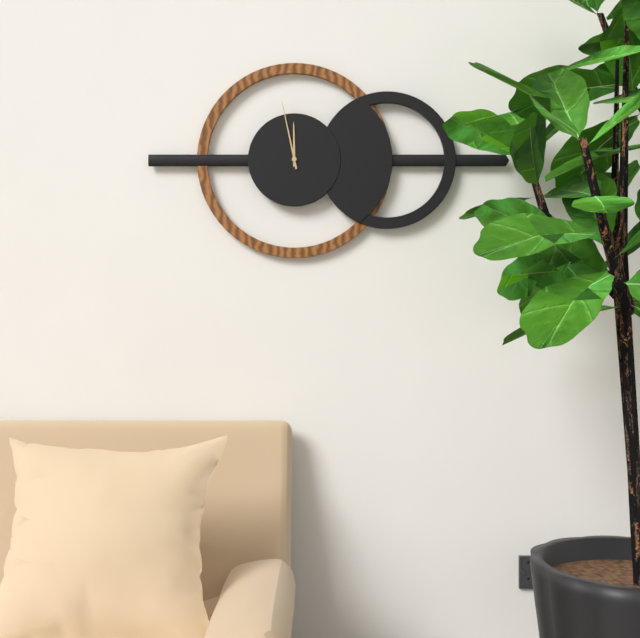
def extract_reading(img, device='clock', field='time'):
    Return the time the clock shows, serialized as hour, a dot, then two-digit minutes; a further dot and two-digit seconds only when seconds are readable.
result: 11.58
